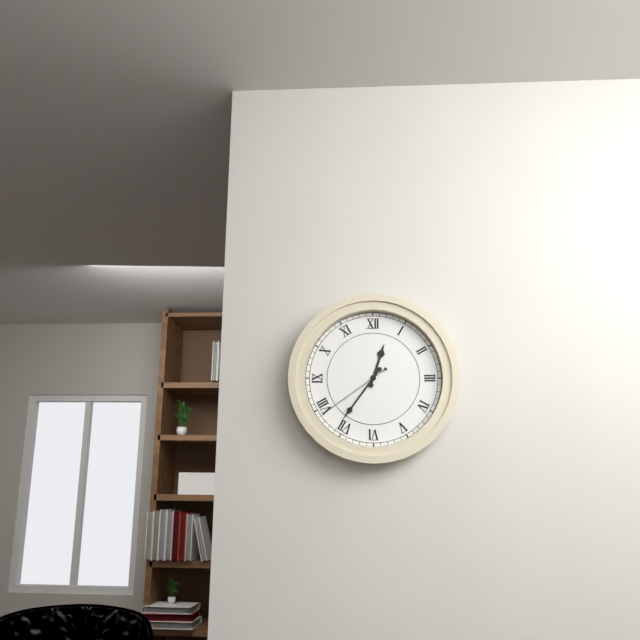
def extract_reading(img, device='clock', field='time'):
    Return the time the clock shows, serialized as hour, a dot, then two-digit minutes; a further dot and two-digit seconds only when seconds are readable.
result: 12.36.39
